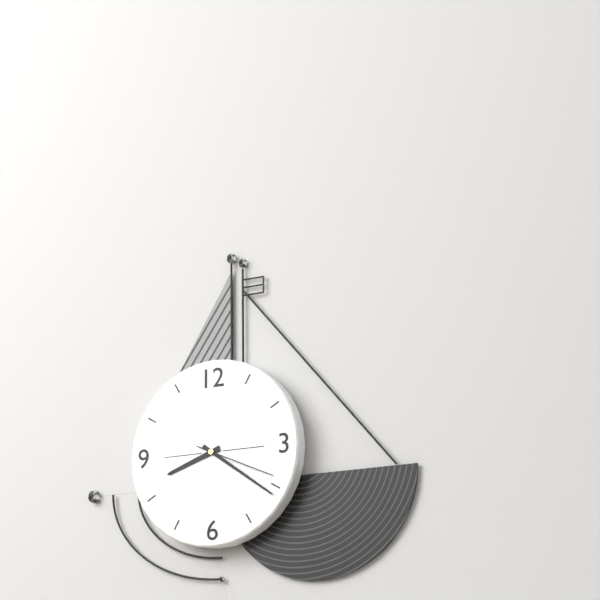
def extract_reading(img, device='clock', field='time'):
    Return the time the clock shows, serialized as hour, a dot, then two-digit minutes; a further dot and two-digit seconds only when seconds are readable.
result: 8.21.19
